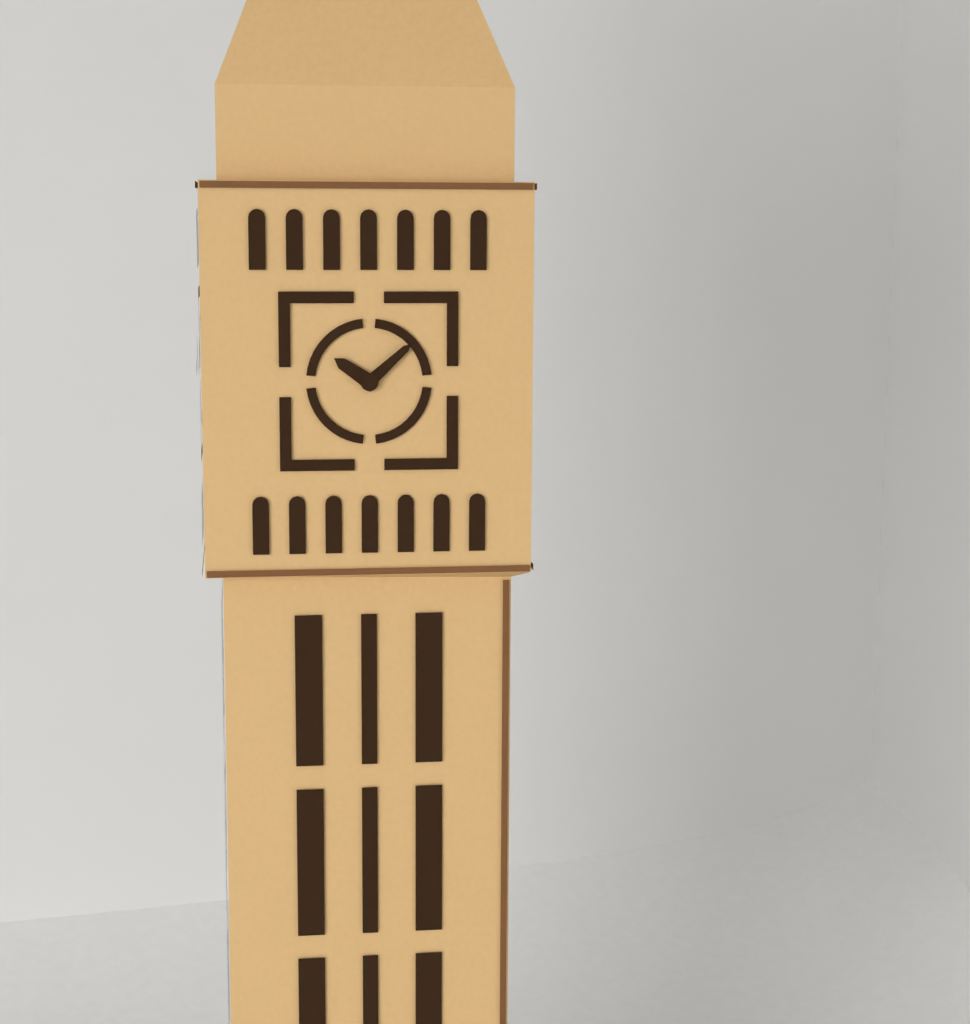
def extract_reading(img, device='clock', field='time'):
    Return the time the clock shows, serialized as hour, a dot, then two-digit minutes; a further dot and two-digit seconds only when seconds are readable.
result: 10.08
